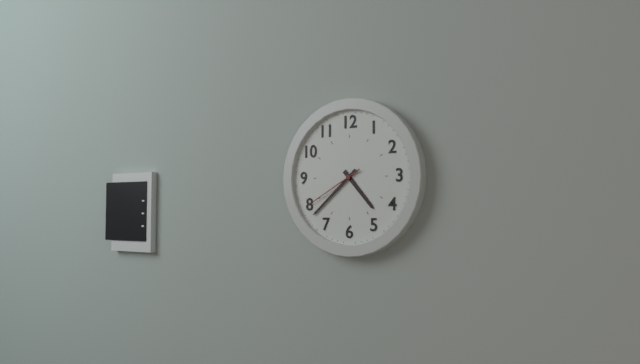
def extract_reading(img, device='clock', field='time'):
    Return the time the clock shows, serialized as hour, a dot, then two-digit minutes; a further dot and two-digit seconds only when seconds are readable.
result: 4.38.40
